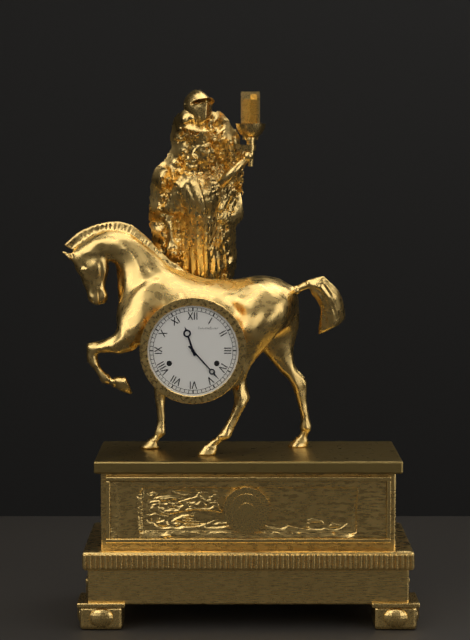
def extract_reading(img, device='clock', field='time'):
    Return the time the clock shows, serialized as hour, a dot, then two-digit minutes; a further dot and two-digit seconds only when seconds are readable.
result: 11.23
